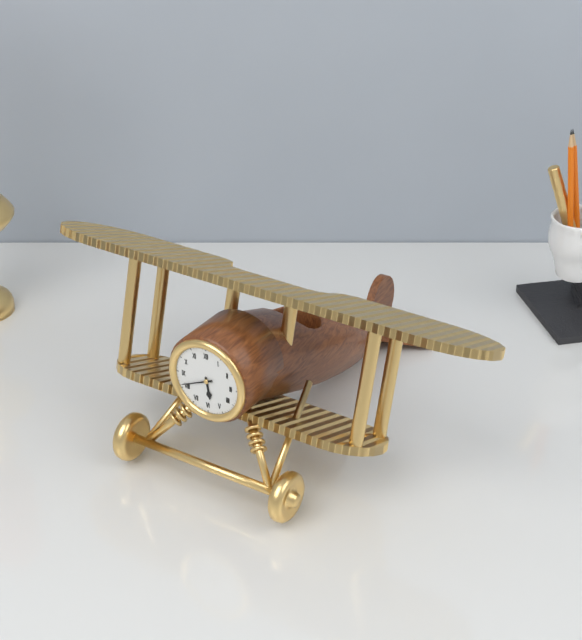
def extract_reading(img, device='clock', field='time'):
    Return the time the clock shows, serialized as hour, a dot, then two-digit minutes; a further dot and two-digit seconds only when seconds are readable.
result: 5.41
